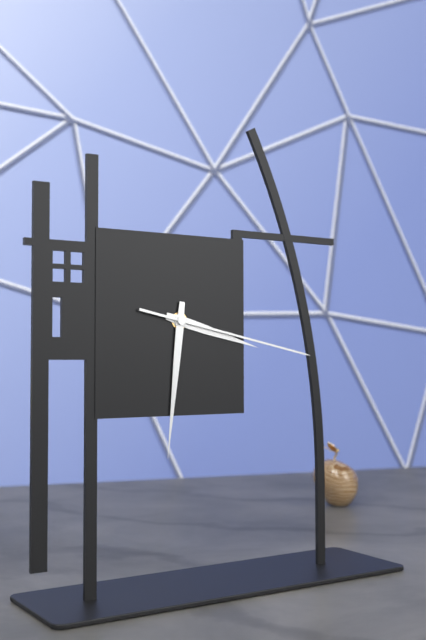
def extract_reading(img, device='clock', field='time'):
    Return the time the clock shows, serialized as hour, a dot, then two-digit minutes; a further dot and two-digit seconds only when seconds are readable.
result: 3.31.17
